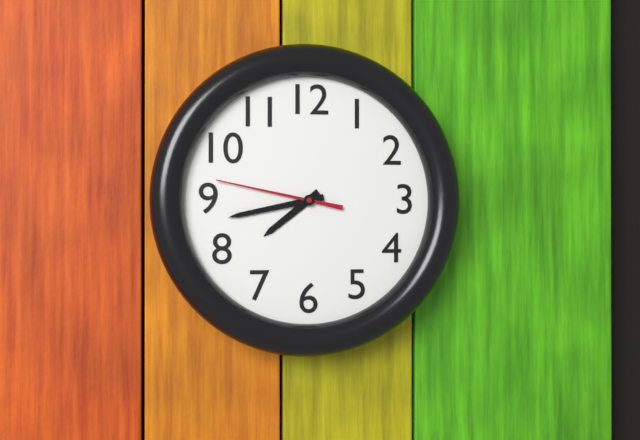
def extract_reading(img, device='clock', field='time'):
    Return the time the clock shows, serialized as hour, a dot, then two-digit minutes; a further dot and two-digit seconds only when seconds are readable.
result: 7.43.47
